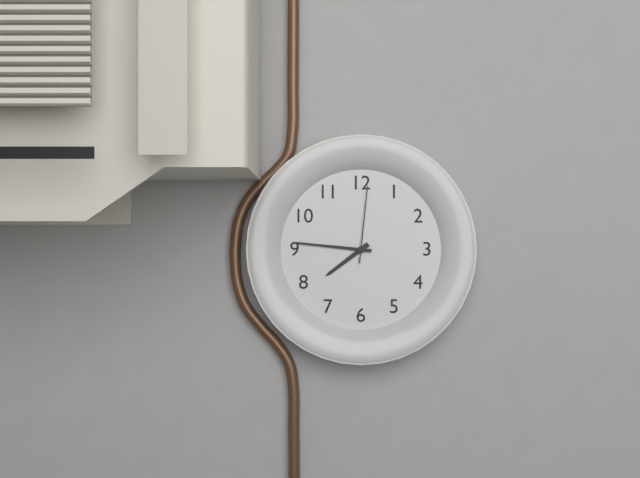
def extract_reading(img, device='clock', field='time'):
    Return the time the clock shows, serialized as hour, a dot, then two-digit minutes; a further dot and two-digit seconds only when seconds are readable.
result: 7.46.01
